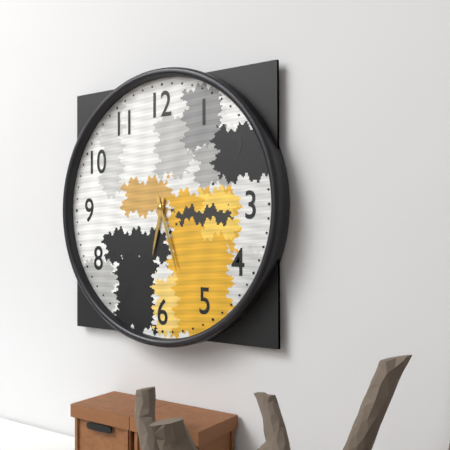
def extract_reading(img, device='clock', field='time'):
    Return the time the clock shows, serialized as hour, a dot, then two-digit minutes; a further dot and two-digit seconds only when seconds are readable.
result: 6.27
